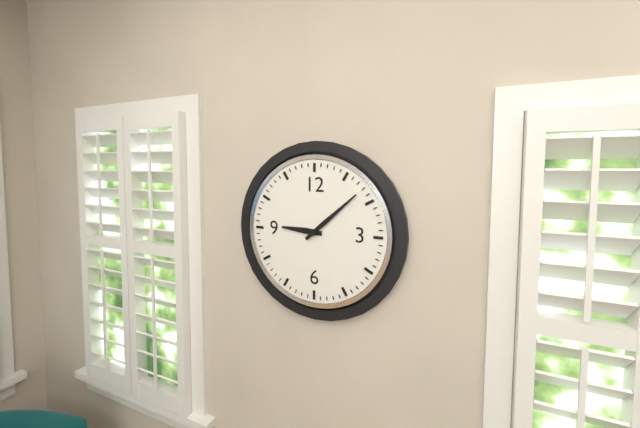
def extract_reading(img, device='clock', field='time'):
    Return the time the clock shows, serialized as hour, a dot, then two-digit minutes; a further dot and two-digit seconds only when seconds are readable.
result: 9.08
